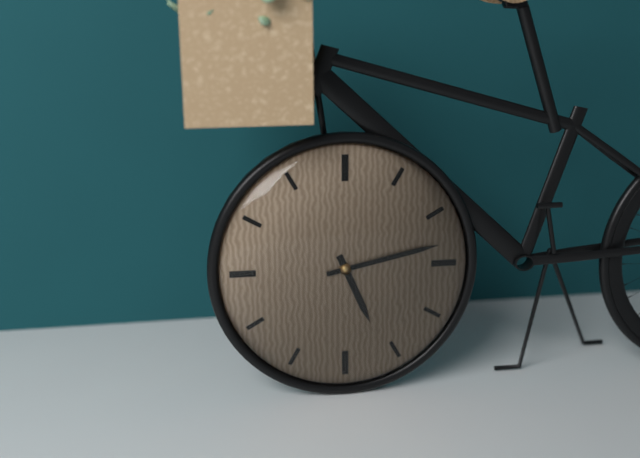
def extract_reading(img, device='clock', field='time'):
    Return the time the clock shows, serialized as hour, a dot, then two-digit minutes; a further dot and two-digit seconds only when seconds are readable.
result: 5.13
